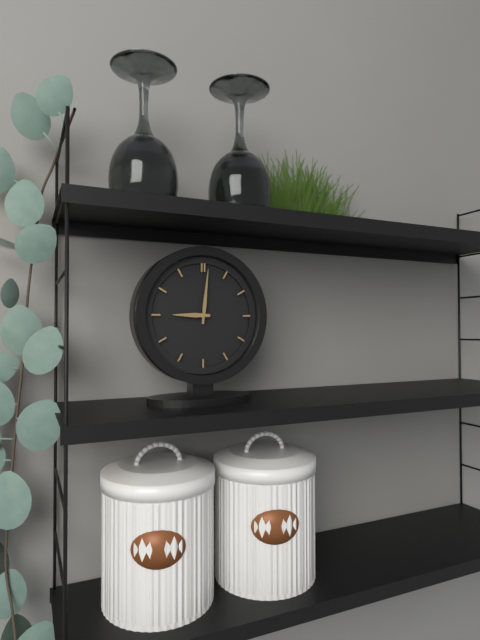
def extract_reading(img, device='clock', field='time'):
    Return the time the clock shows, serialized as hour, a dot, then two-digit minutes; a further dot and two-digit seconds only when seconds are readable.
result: 9.01
